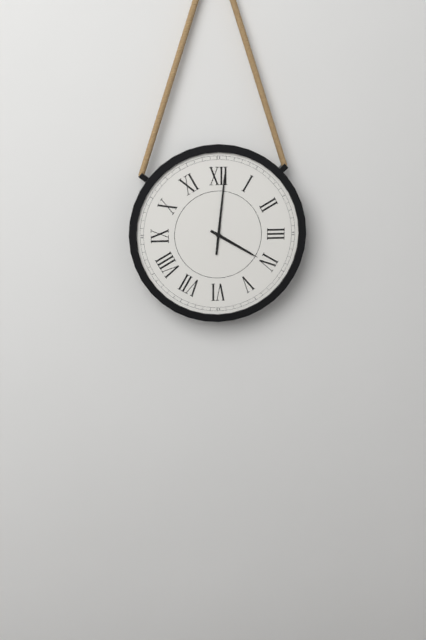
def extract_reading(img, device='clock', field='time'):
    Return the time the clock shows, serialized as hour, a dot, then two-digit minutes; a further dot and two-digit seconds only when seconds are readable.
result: 4.01
